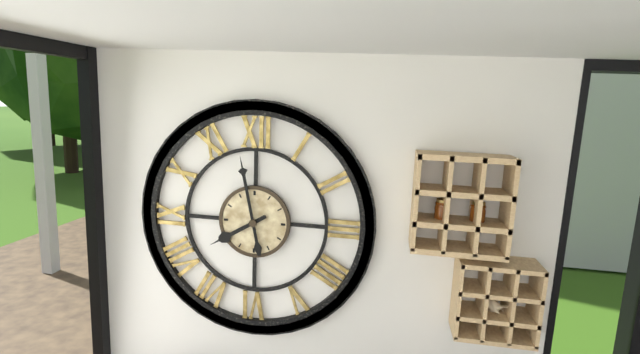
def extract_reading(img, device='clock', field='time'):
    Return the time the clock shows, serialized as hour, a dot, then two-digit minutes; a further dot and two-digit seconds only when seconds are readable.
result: 7.58
